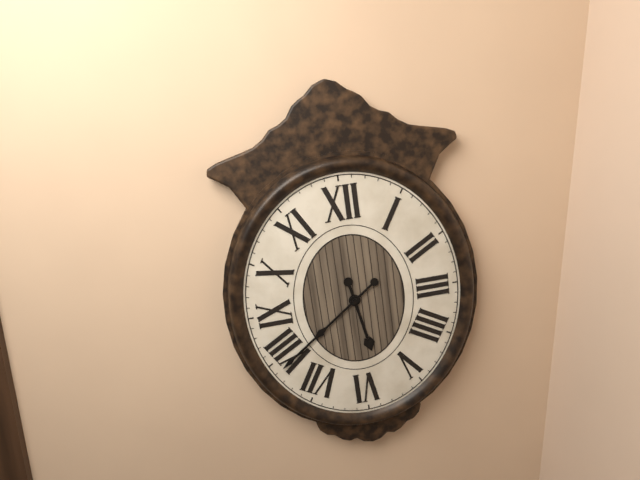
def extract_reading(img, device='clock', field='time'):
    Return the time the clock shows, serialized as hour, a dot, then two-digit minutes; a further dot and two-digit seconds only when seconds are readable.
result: 5.39
